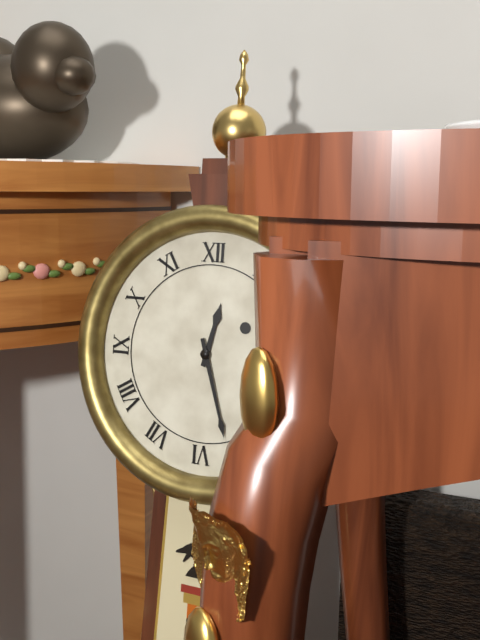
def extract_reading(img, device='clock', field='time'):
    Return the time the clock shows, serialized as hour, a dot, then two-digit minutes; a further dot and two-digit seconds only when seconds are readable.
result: 12.27
